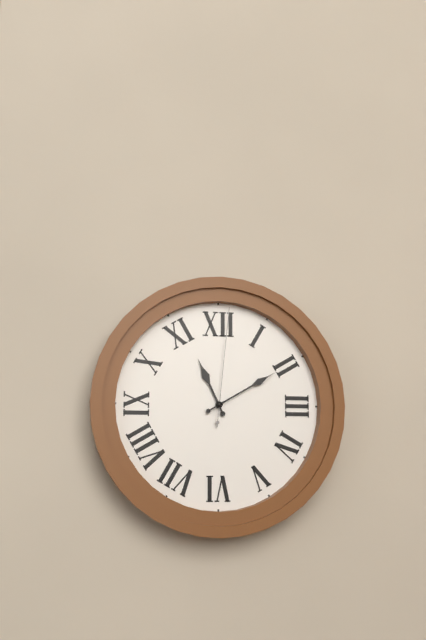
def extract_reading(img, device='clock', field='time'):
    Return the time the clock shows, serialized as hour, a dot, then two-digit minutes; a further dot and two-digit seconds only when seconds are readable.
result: 11.10.01
